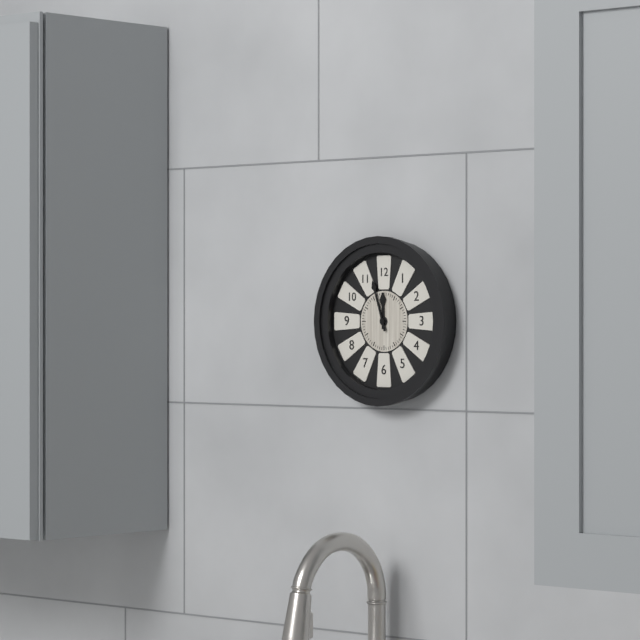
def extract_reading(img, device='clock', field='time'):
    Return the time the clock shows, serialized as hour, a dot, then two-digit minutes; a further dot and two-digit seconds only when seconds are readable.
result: 11.57
